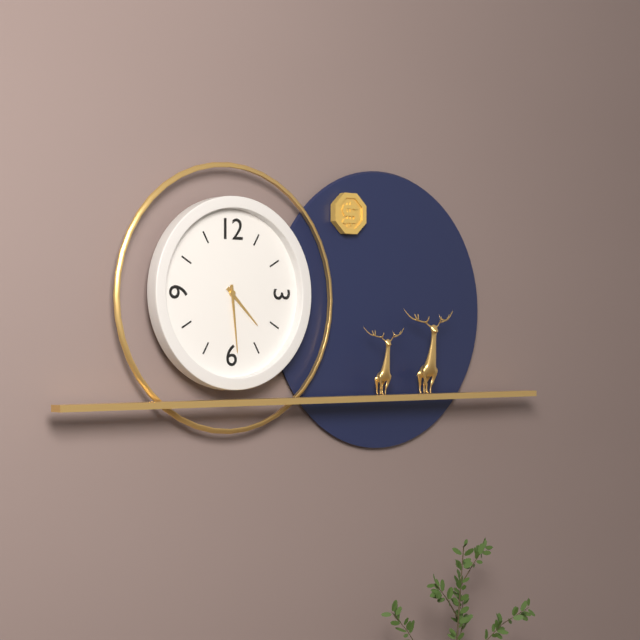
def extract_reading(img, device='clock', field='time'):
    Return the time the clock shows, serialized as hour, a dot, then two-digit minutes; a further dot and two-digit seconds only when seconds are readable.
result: 4.29
